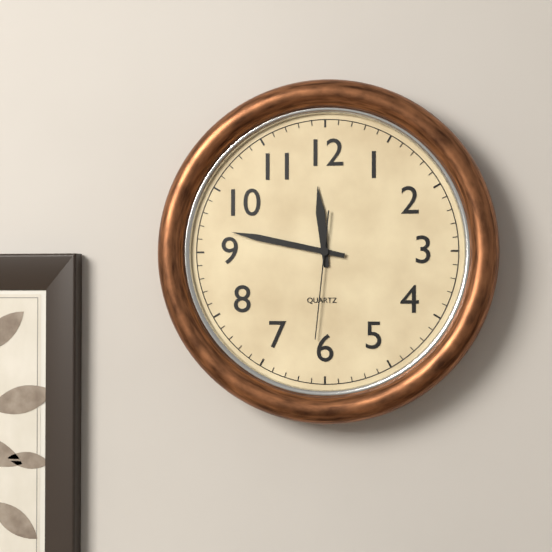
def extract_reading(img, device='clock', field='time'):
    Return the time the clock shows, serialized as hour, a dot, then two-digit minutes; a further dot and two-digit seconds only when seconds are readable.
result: 11.47.31
